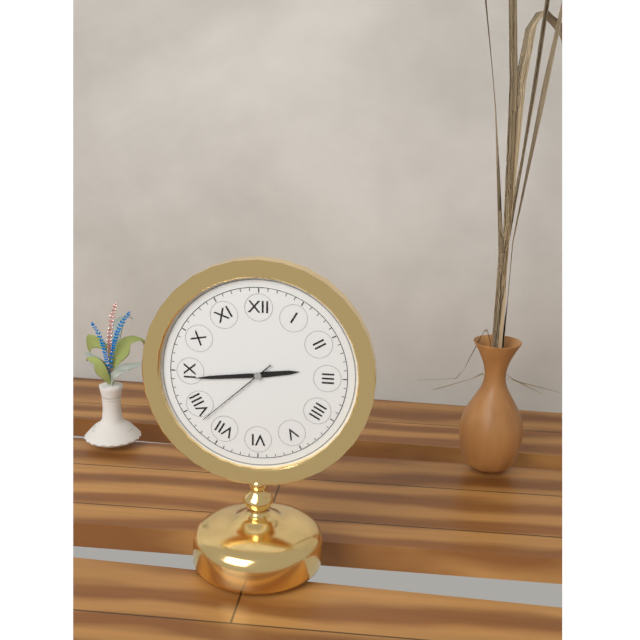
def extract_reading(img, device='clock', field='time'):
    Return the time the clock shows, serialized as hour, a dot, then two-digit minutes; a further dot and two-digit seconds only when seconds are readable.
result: 2.44.38
